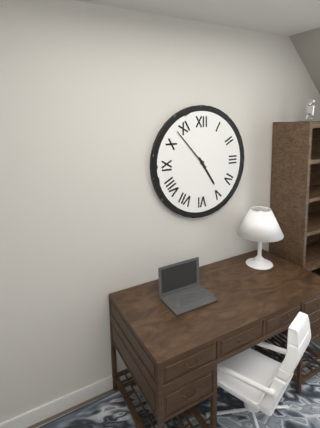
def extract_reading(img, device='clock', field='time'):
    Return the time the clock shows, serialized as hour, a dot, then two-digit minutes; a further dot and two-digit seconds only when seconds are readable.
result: 4.53
